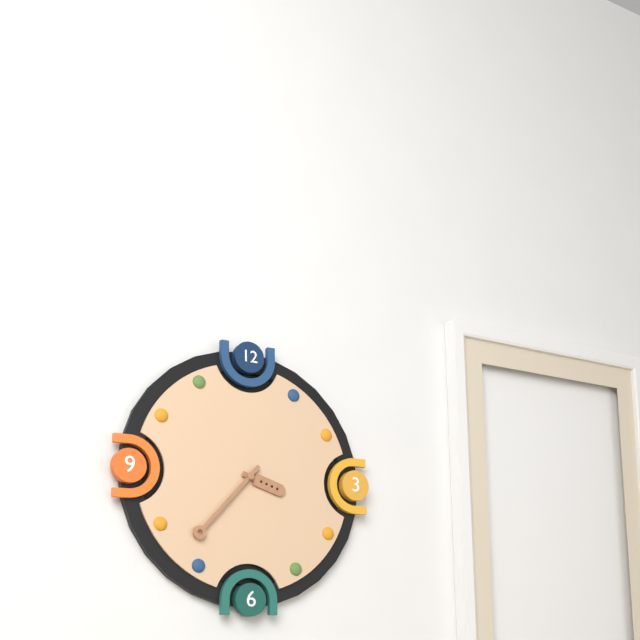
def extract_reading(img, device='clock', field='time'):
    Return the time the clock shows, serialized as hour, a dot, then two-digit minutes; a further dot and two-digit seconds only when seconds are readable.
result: 3.37
